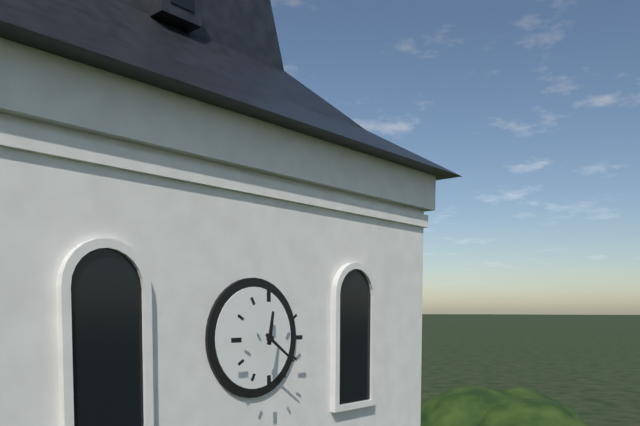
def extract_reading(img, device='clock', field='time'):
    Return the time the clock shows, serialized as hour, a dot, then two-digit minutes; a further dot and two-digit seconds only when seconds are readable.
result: 12.21
